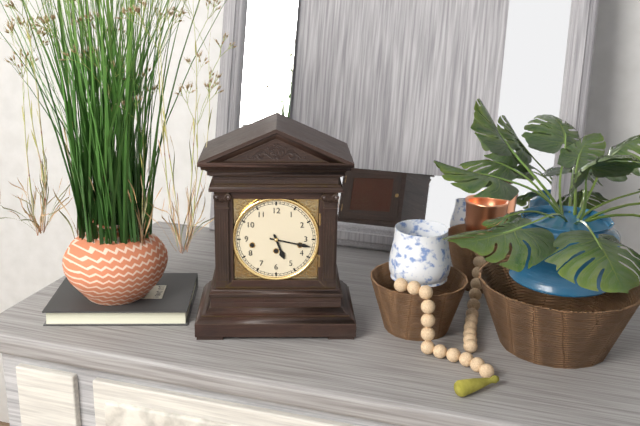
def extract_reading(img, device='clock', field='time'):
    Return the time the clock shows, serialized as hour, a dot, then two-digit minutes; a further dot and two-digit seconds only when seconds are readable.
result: 5.17
